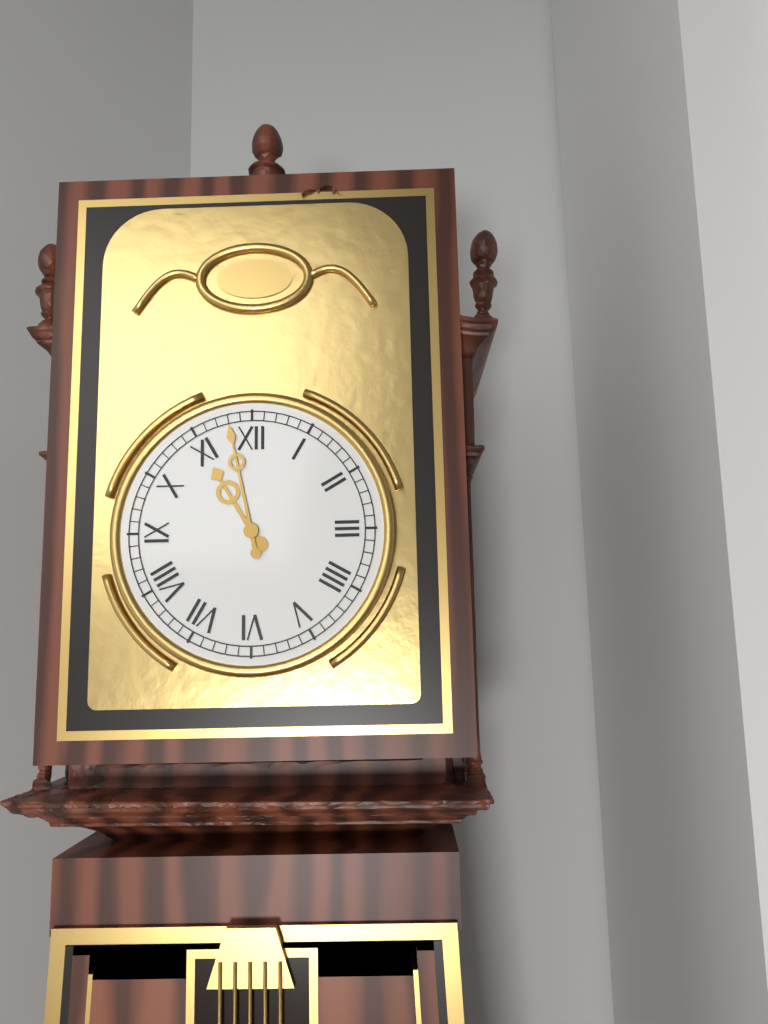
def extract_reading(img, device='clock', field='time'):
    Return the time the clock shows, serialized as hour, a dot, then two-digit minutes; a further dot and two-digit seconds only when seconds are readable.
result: 10.58
